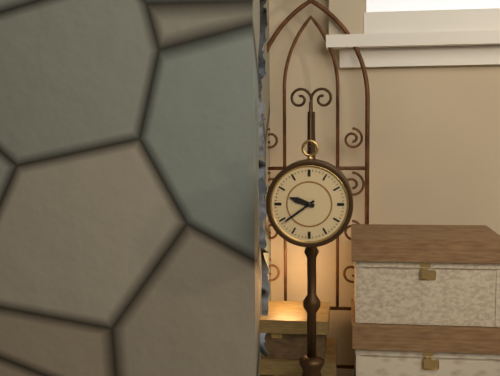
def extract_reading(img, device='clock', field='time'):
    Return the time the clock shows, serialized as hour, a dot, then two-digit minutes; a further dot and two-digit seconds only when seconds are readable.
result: 9.39
